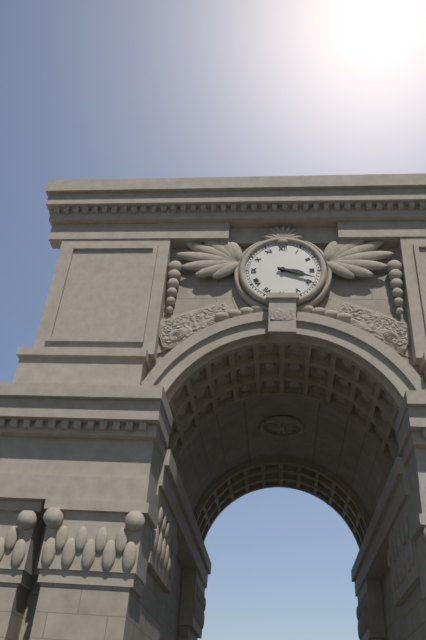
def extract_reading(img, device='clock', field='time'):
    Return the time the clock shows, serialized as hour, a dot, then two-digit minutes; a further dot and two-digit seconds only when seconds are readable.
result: 3.18
